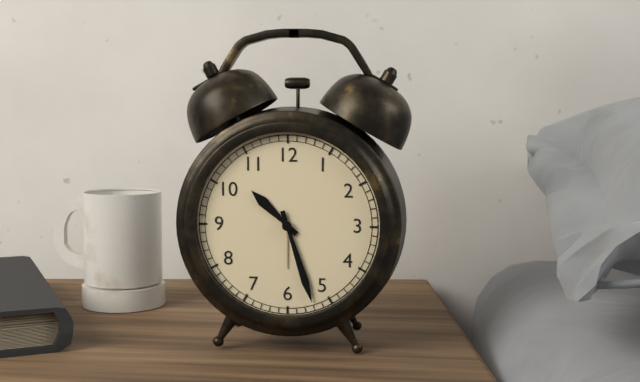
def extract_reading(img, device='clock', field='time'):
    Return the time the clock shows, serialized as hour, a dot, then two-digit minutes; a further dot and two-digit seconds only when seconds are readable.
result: 10.27
